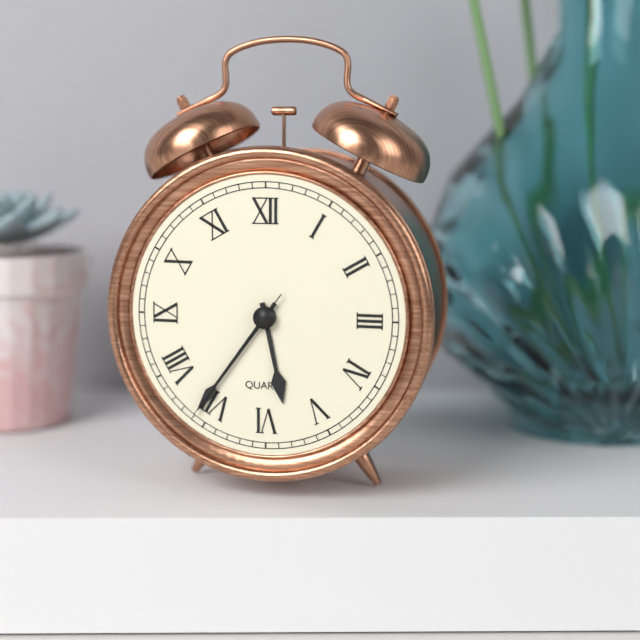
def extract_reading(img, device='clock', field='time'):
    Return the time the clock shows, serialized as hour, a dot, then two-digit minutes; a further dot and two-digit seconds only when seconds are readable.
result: 5.36.36
